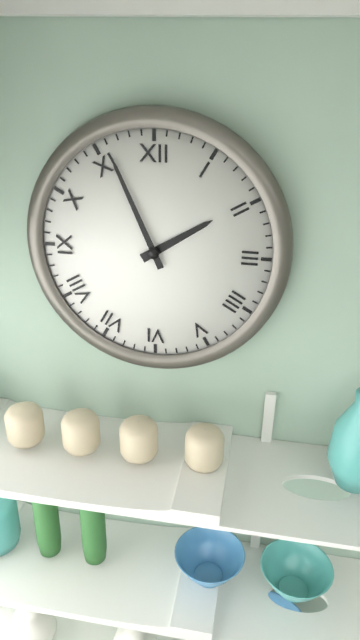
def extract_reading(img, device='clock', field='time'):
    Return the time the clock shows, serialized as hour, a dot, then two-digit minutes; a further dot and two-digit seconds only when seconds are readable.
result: 1.56
